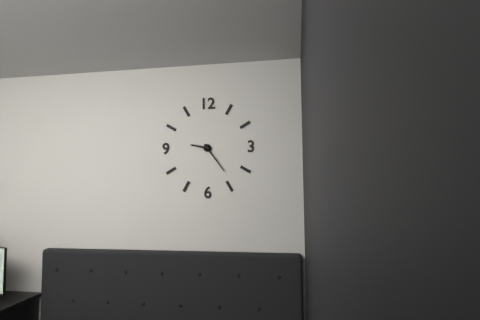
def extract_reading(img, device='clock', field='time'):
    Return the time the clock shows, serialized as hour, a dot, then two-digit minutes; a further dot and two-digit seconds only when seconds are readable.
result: 9.24
